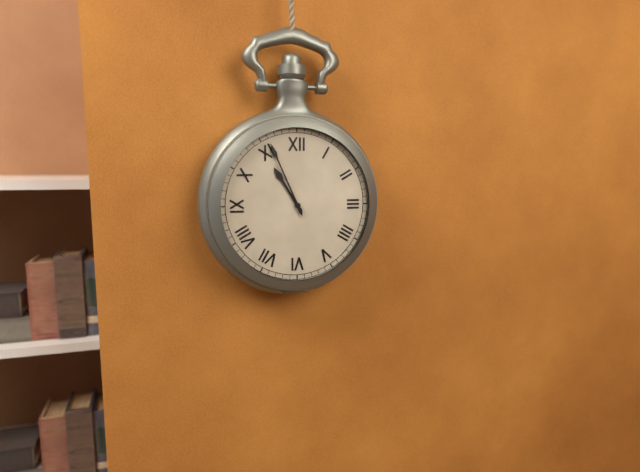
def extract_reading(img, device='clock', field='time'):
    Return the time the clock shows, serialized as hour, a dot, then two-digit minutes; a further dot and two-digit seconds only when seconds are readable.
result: 10.56
